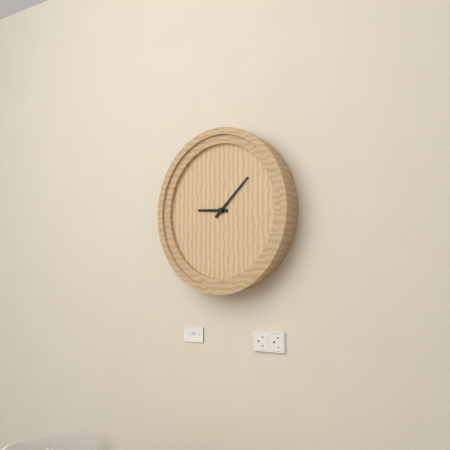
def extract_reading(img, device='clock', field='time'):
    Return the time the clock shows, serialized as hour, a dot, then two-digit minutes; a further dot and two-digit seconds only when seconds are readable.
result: 9.08
